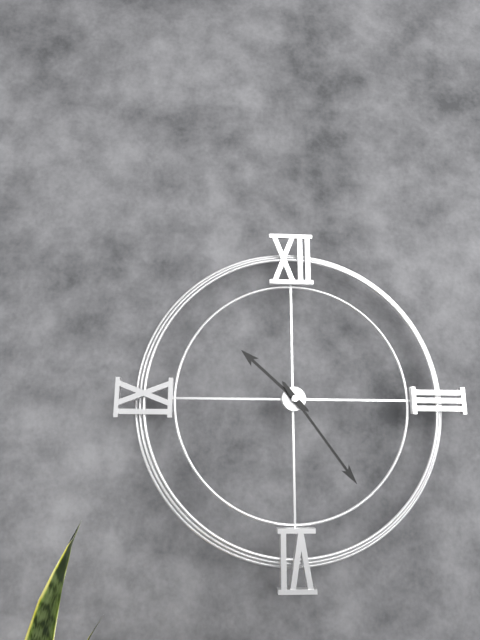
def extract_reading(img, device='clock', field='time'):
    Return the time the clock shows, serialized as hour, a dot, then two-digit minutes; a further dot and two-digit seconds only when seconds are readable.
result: 10.24
